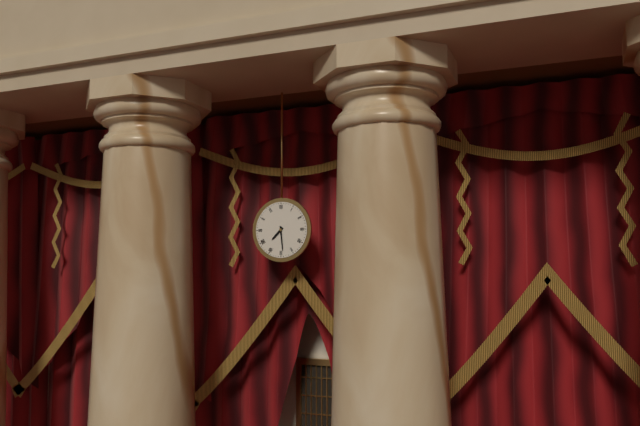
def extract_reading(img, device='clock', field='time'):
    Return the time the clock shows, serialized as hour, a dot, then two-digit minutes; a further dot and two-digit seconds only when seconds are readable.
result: 7.29
